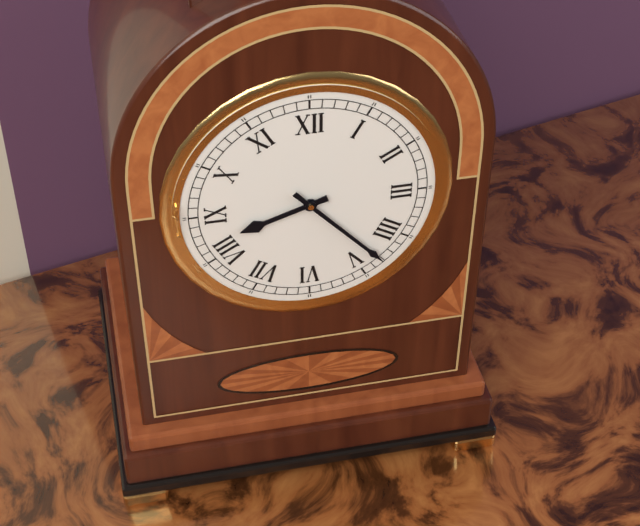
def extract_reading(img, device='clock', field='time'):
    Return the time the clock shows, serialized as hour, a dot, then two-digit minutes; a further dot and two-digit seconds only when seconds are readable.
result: 8.23
